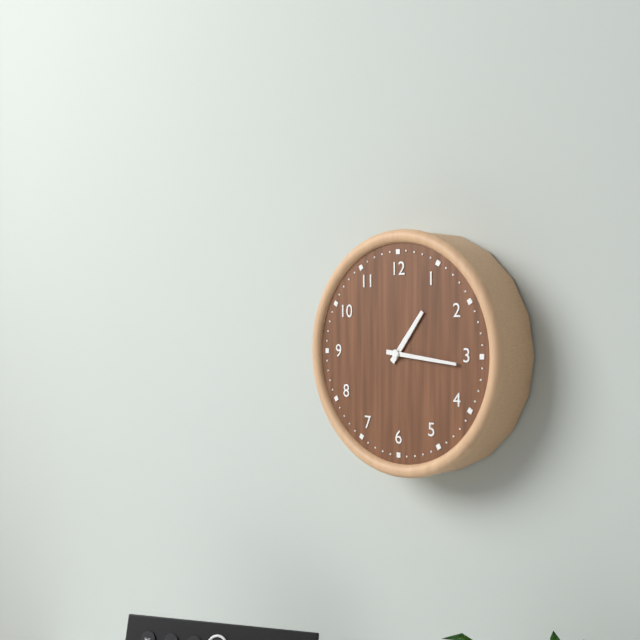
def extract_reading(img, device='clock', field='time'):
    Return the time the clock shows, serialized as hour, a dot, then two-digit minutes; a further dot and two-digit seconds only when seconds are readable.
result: 1.16
